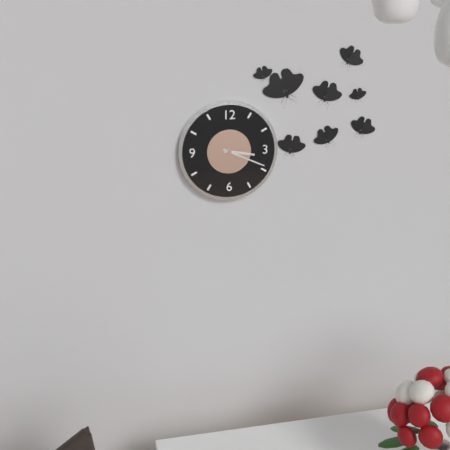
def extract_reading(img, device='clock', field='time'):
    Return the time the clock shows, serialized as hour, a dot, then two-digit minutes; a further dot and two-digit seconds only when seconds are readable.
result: 3.19
